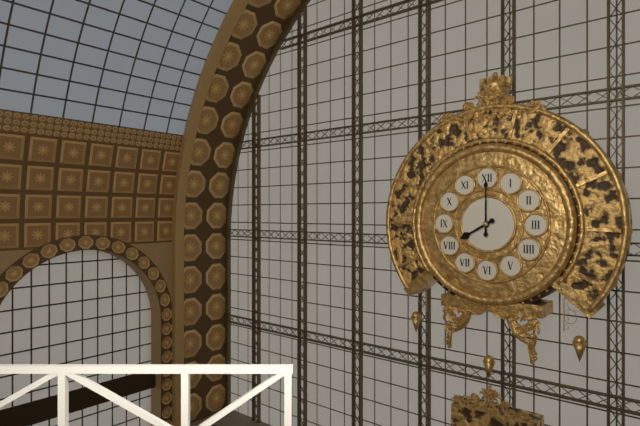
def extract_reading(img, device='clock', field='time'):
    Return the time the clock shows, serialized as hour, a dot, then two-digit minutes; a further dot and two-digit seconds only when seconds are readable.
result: 8.00
